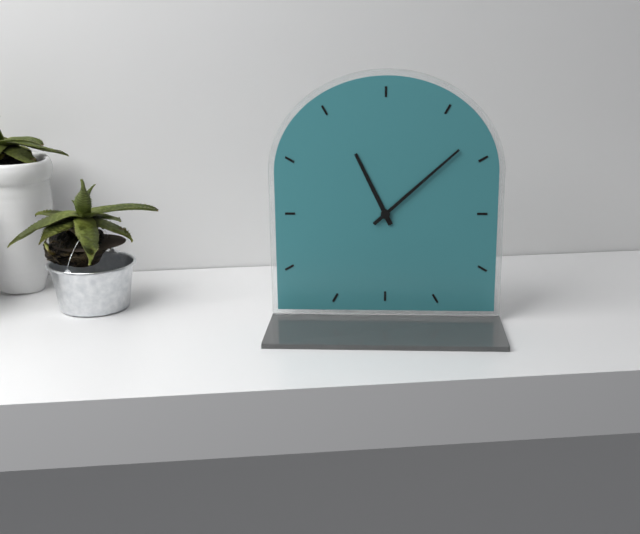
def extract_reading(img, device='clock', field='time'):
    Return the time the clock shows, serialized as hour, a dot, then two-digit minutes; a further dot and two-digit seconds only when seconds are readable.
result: 11.08
